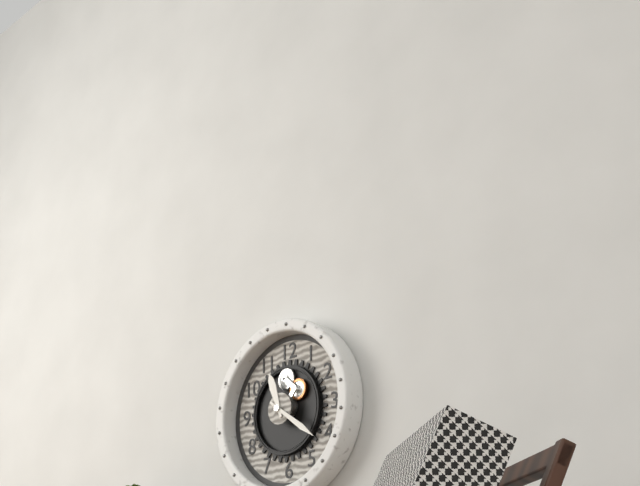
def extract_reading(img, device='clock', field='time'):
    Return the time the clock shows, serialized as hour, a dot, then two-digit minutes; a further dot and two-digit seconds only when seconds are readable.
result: 11.21
